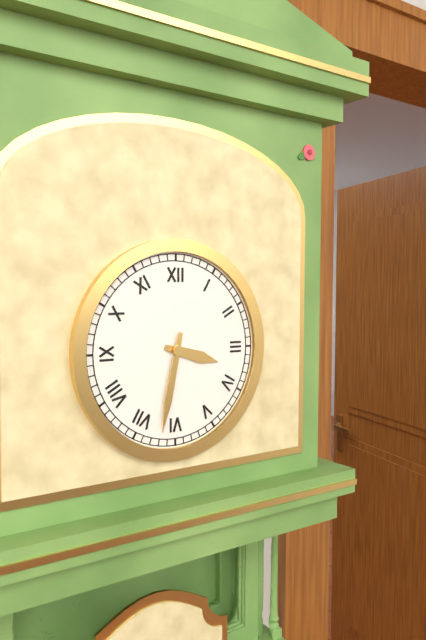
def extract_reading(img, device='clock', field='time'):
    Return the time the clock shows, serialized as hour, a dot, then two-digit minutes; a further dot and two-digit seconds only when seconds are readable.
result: 3.32
